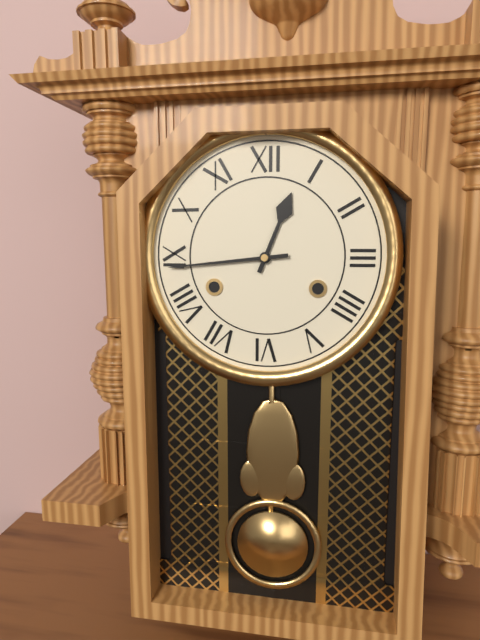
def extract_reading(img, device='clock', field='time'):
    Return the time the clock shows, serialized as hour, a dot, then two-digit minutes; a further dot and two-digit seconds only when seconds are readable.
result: 12.44
